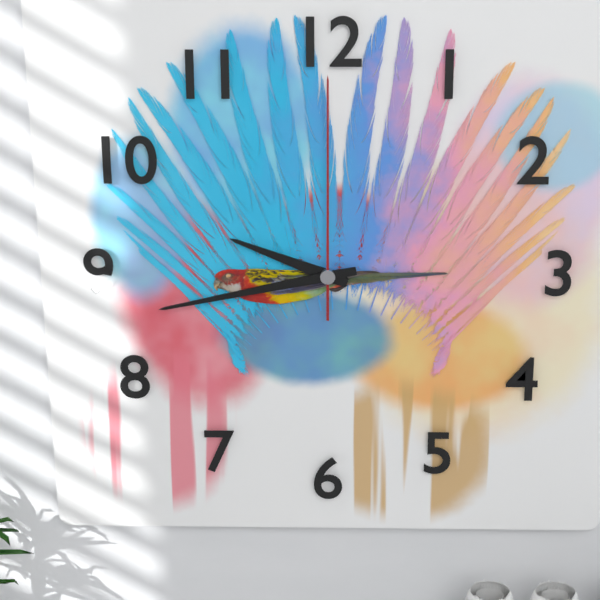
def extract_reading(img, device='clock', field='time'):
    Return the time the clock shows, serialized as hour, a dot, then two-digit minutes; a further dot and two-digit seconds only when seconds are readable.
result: 9.43.00
